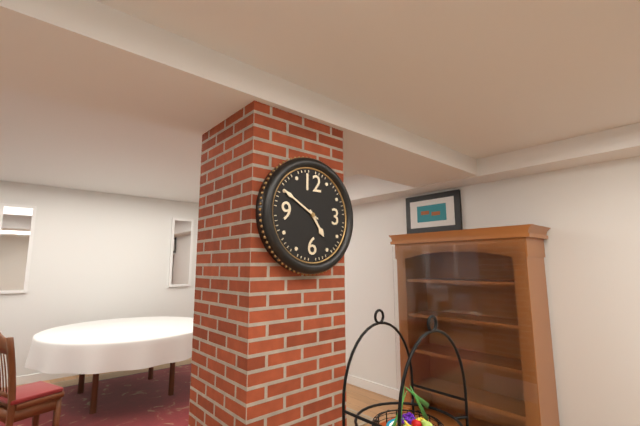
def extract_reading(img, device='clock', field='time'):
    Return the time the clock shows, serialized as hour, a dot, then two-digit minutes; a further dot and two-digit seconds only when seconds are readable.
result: 4.50
